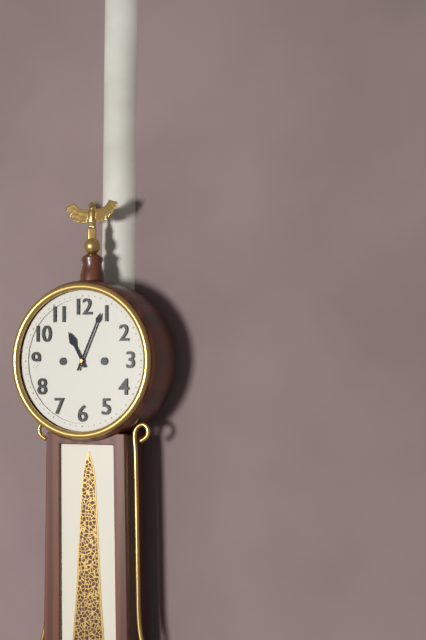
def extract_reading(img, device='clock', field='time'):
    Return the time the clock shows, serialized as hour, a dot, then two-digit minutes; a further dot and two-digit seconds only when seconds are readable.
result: 11.04
